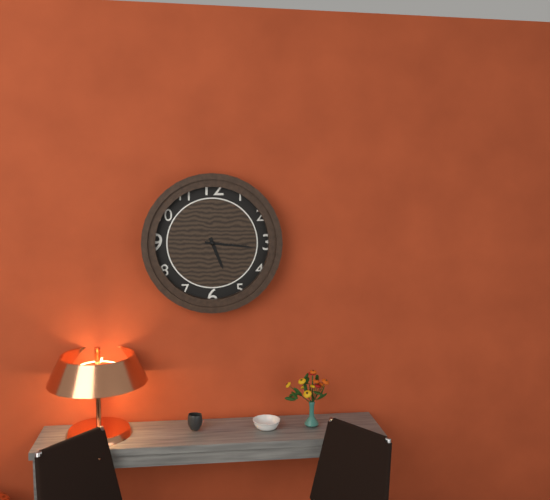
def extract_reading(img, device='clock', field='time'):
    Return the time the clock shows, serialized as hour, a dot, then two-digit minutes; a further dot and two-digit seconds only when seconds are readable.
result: 5.16
